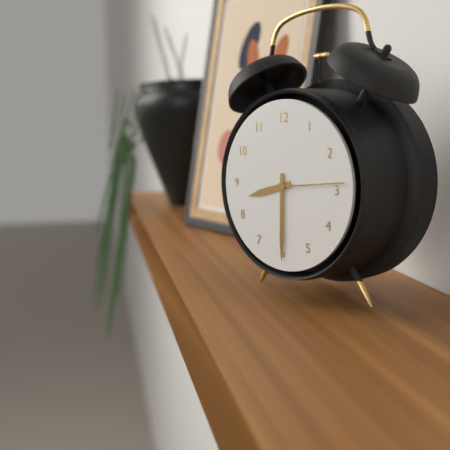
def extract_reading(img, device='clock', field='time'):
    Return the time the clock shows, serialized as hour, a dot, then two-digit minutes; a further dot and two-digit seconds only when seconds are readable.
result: 8.30.14
